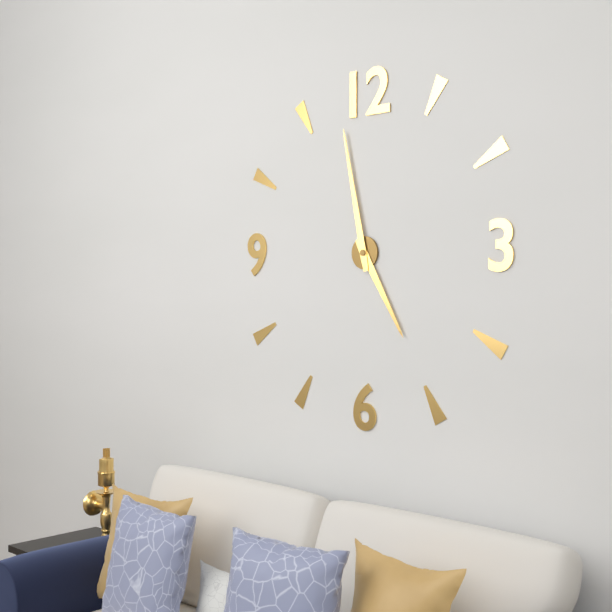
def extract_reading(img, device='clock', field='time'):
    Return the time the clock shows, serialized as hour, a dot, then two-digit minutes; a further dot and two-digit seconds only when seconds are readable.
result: 4.58
